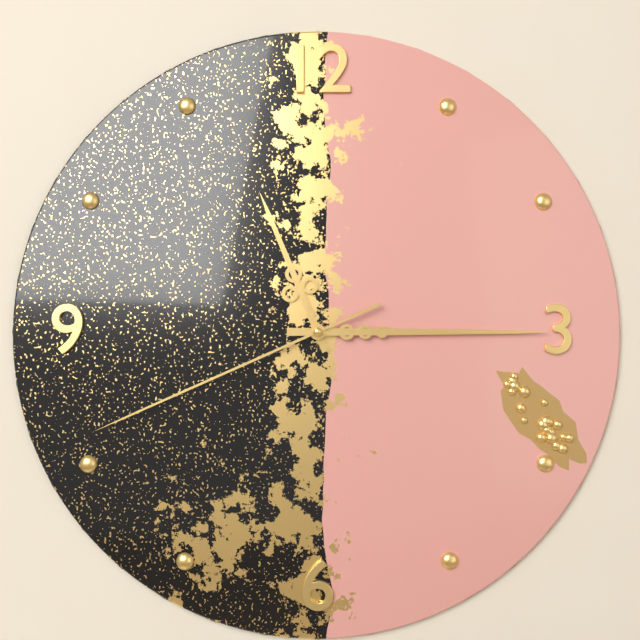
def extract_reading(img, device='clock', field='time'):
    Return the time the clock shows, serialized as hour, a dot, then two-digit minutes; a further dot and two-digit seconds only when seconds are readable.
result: 11.15.41
